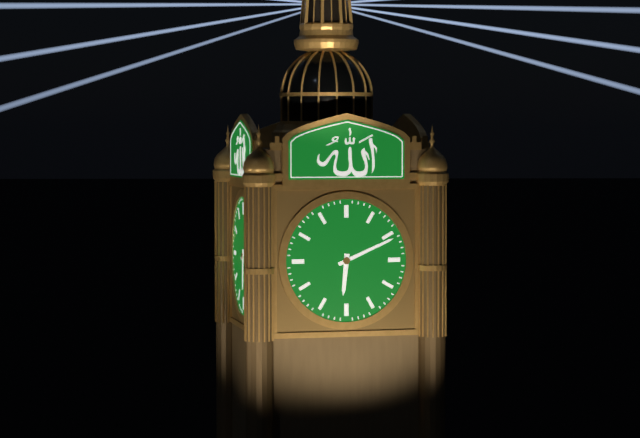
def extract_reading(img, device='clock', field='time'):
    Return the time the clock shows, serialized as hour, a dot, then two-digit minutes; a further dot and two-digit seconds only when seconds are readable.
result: 6.11
